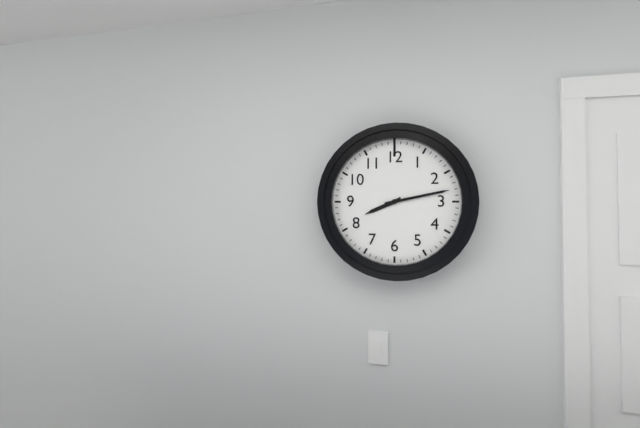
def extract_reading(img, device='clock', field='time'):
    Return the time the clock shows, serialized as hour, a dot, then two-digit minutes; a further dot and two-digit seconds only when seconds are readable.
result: 8.13
